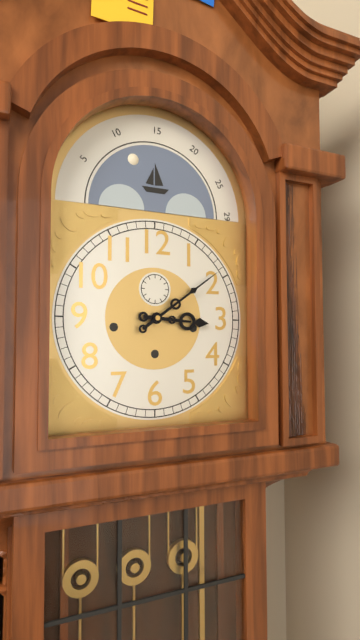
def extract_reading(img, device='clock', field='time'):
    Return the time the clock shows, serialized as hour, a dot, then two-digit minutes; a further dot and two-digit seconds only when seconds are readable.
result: 3.09
